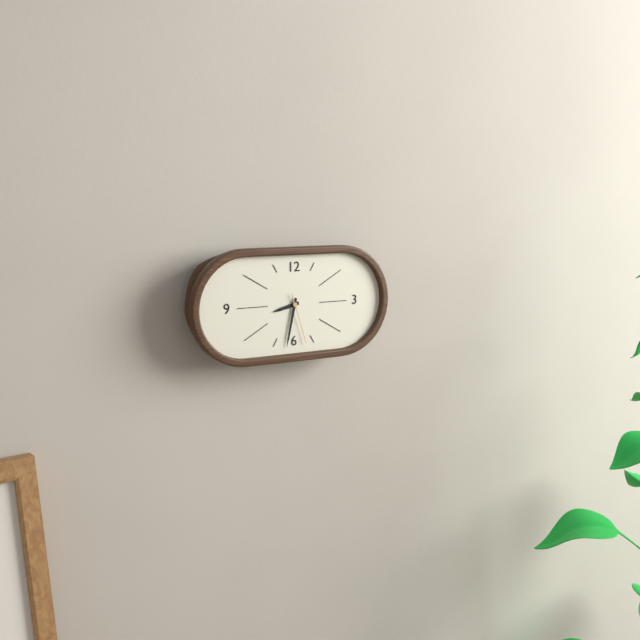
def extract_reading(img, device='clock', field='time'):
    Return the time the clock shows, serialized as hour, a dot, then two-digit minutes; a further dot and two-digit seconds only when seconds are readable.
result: 8.32.27
